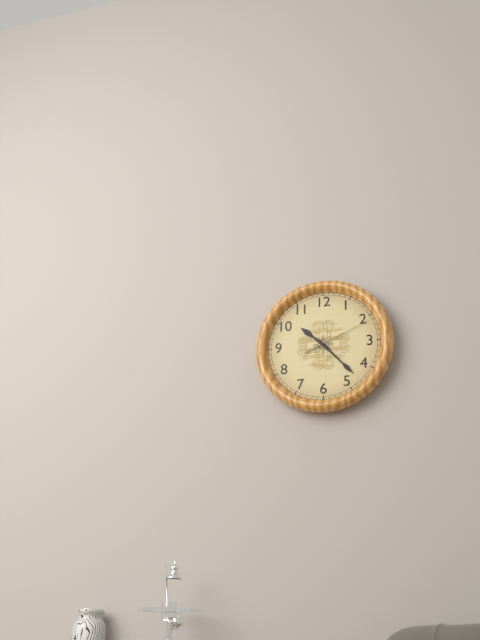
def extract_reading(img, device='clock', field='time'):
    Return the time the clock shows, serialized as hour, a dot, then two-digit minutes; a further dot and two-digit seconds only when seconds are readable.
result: 10.23.11
